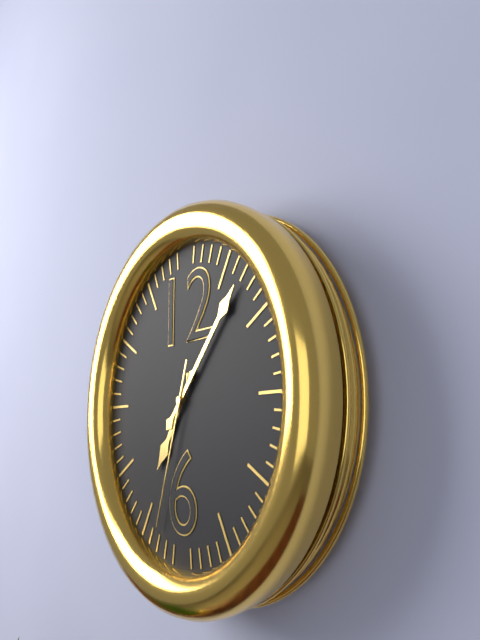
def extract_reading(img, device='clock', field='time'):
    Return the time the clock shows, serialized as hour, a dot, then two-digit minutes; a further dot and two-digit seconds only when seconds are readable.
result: 7.07.33
